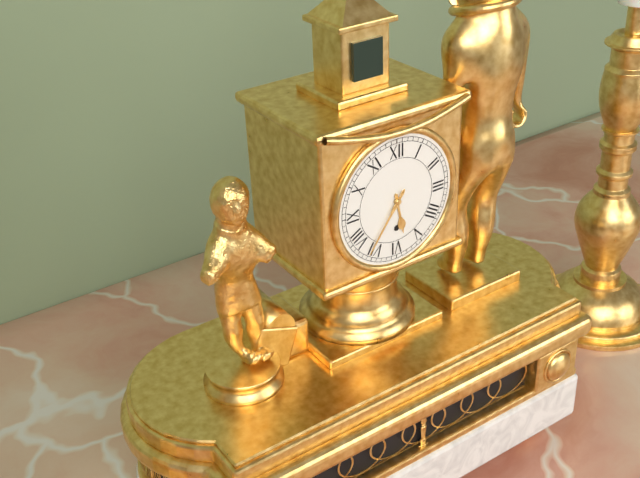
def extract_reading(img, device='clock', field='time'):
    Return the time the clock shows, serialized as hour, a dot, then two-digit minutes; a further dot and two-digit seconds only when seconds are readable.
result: 5.36
